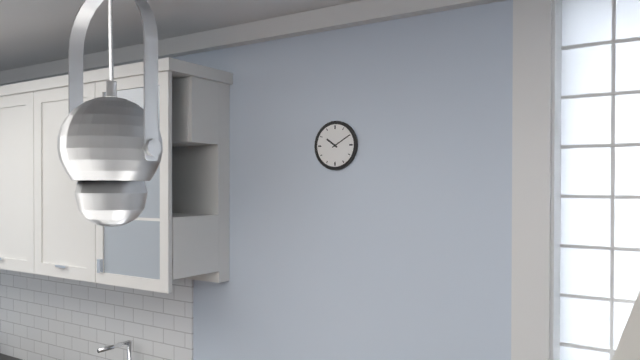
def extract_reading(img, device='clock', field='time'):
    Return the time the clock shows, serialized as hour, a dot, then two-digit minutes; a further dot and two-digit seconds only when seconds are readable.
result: 10.10
